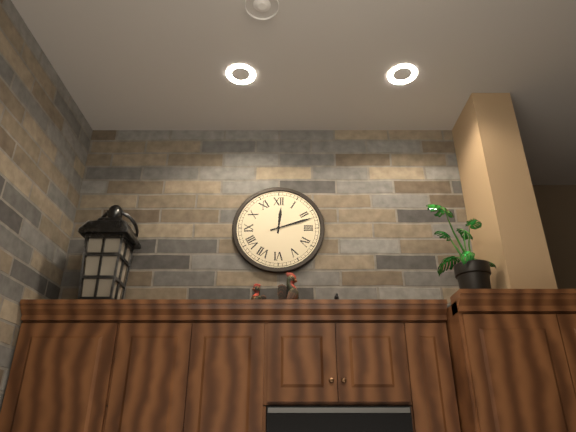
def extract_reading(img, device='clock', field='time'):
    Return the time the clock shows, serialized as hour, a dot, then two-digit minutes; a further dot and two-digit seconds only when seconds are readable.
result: 12.12
